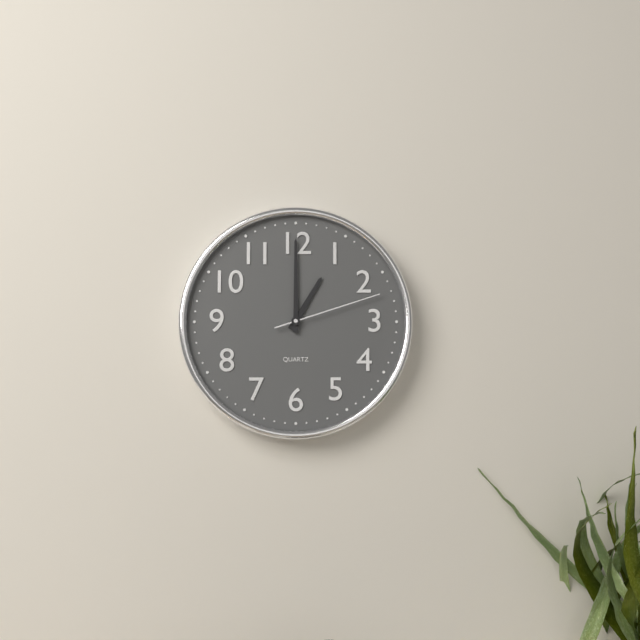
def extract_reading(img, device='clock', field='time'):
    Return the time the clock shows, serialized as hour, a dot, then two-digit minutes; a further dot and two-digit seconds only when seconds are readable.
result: 1.00.12
